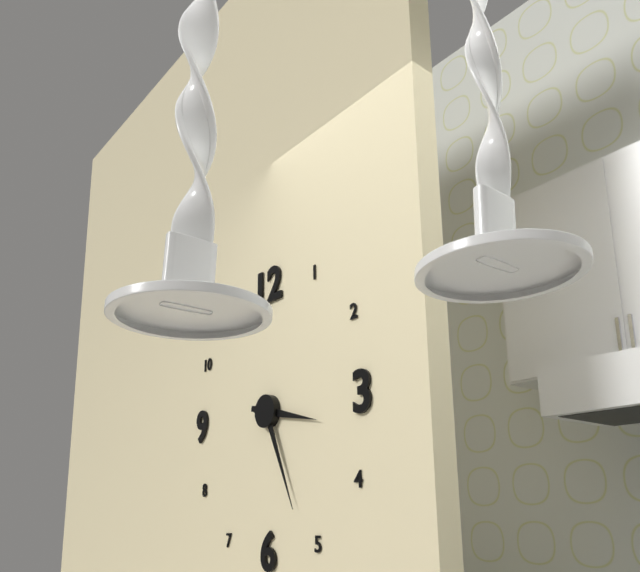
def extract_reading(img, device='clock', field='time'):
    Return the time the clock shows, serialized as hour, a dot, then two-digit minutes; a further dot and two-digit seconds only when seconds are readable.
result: 3.26
